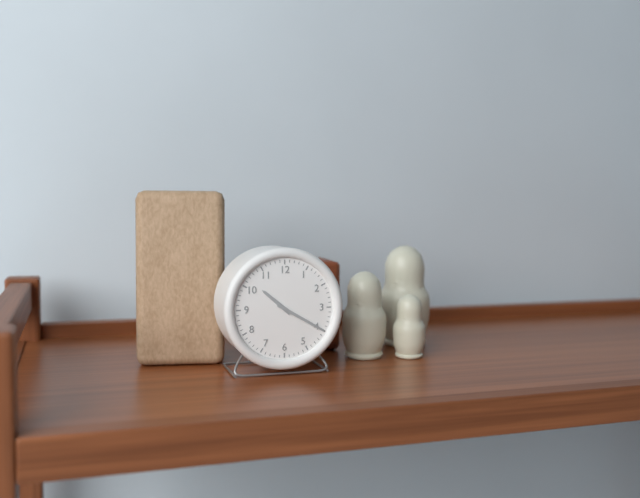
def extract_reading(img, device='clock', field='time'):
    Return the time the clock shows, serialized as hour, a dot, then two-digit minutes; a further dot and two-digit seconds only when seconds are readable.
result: 10.20
